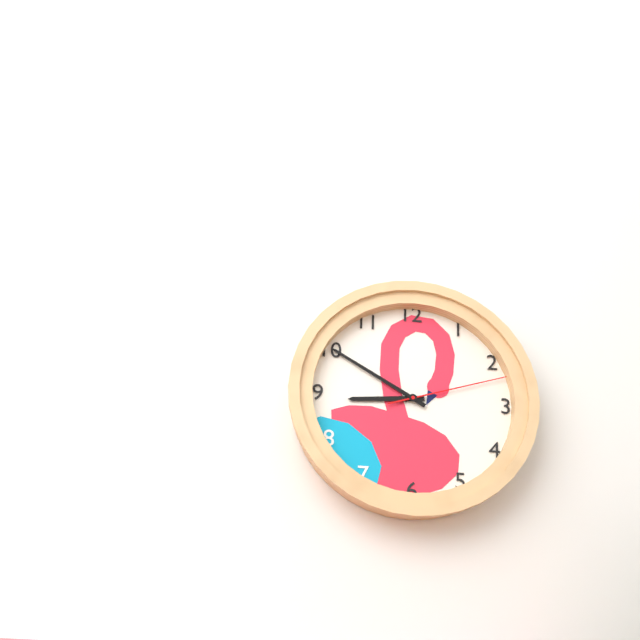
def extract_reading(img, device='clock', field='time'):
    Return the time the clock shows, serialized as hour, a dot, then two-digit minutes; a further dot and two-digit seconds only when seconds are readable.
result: 8.50.12
